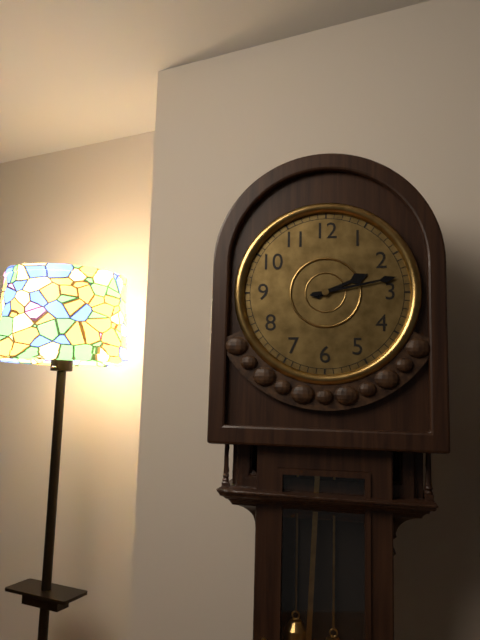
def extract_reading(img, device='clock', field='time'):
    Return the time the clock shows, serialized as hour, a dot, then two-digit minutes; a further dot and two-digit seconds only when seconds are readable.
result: 2.13
